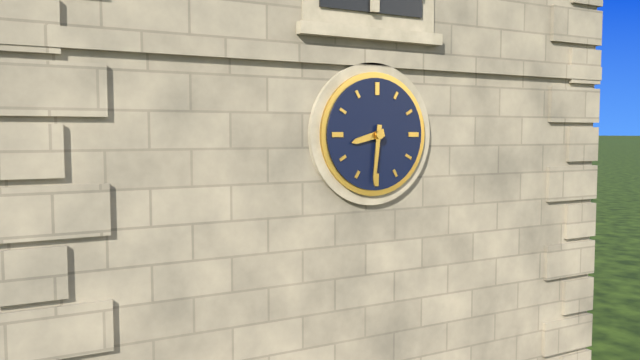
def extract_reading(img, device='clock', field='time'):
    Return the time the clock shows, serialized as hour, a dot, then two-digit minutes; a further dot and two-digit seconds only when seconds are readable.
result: 8.31
